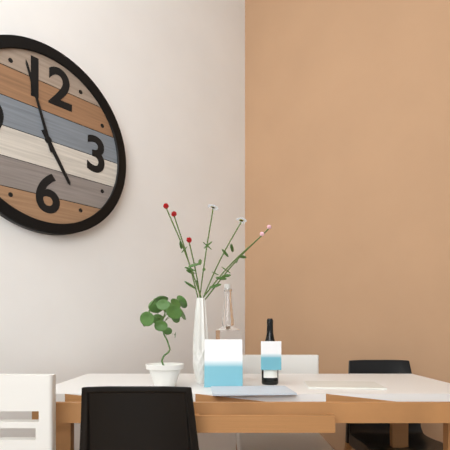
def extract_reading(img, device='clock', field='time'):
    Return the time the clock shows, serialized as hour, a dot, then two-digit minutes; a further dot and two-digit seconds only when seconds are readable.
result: 4.57
